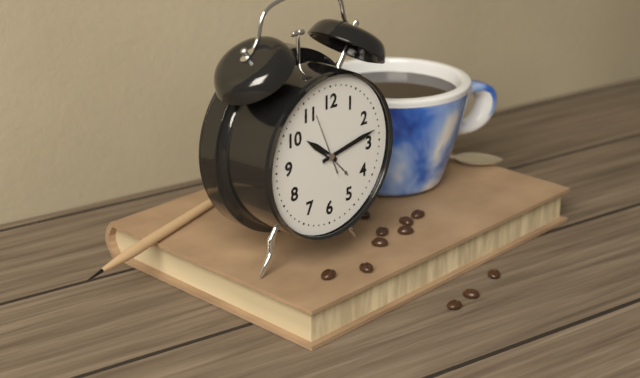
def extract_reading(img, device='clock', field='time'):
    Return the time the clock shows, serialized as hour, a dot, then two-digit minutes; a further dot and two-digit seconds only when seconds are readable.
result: 10.13
